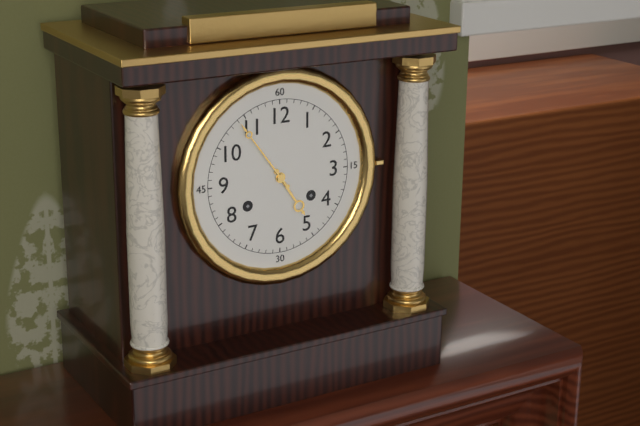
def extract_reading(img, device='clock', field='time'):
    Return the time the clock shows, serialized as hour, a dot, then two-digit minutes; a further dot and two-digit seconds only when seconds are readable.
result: 4.54
